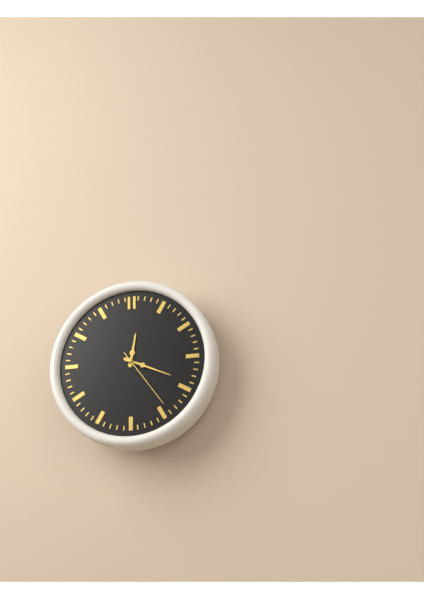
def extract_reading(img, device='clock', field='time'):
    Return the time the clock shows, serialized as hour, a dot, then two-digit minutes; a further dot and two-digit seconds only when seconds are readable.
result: 12.19.24
